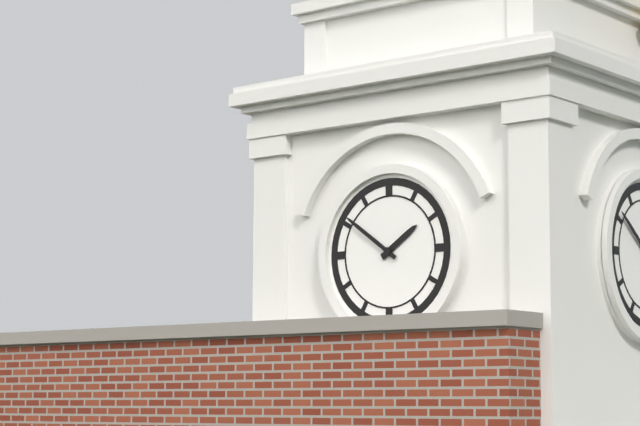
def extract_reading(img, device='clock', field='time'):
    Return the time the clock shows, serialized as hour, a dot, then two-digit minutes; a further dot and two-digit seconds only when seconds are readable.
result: 1.51
